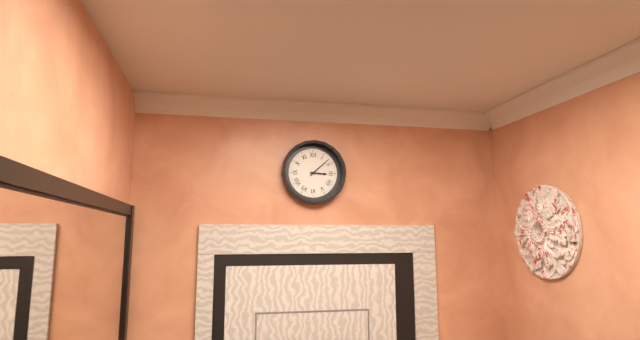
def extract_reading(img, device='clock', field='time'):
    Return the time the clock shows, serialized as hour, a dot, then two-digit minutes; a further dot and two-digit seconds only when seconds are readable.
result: 3.08
